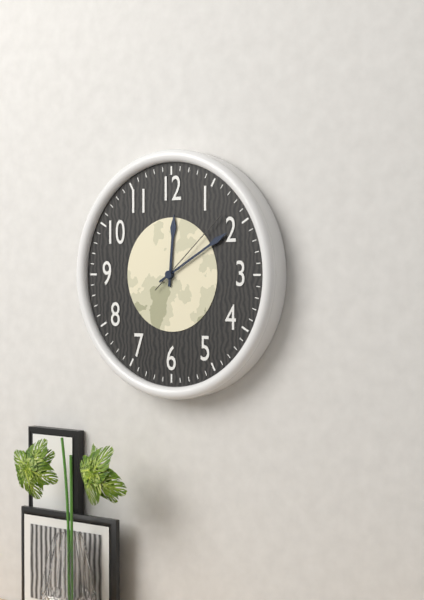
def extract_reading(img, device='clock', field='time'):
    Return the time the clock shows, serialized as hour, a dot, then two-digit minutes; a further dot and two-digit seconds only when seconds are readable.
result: 12.10.08
